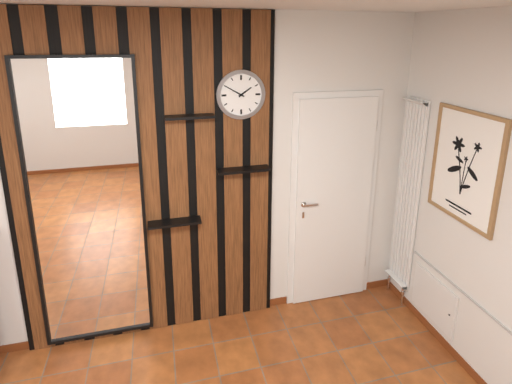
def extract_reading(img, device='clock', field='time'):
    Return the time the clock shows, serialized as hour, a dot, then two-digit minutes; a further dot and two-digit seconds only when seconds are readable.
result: 1.50
